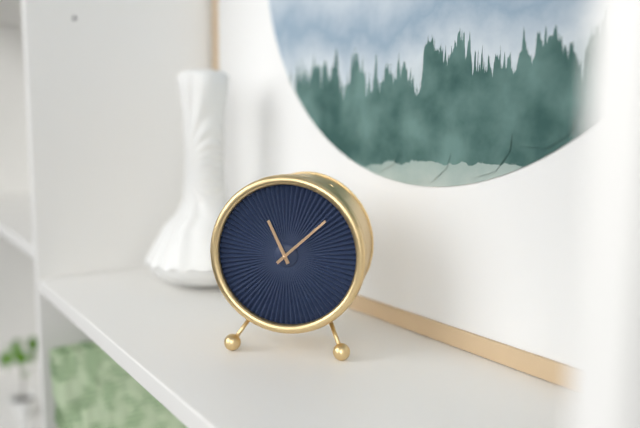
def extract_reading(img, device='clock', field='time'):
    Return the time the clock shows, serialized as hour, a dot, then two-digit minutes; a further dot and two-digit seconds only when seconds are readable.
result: 11.08
